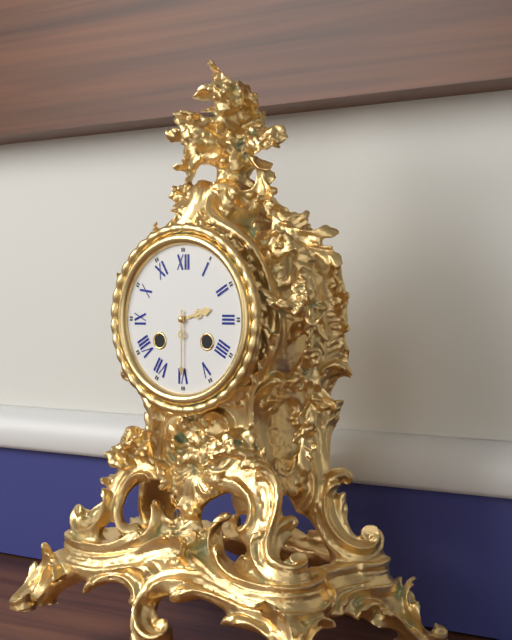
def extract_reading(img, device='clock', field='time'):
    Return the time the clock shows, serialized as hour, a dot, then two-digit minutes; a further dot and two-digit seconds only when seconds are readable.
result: 2.30
